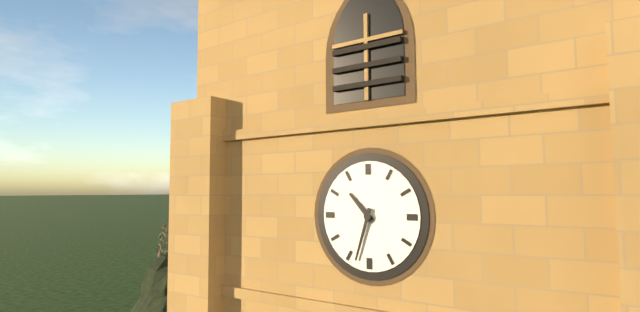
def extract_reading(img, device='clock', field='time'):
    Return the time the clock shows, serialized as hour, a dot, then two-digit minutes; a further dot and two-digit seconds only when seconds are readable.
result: 10.33
